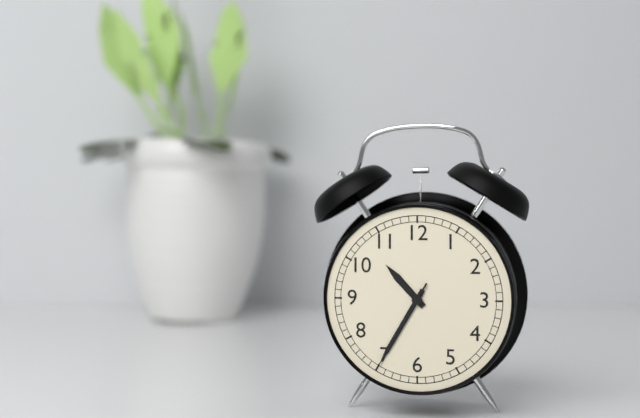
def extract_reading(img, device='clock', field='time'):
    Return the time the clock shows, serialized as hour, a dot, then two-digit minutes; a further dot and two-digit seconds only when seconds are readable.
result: 10.35.35
